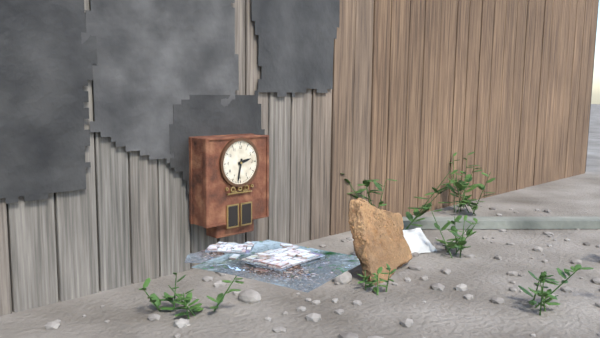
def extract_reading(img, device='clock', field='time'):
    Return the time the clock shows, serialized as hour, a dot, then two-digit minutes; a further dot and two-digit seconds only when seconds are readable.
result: 2.32
